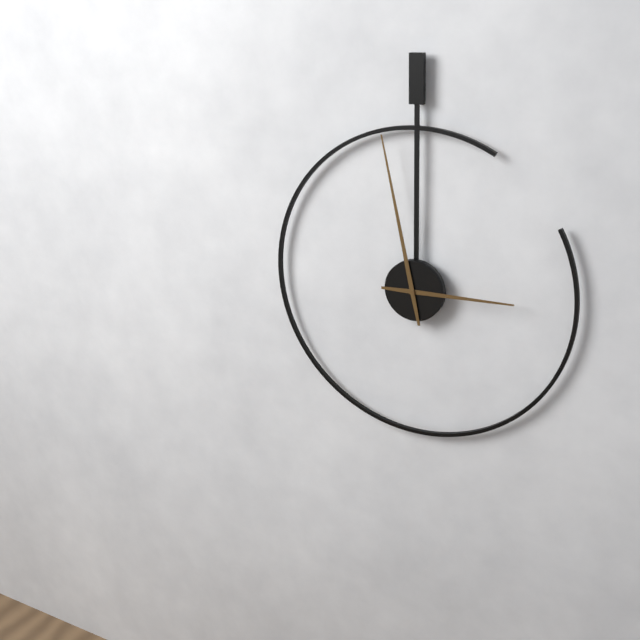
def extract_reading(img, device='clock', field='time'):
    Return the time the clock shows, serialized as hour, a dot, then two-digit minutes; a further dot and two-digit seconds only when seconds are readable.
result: 2.58
